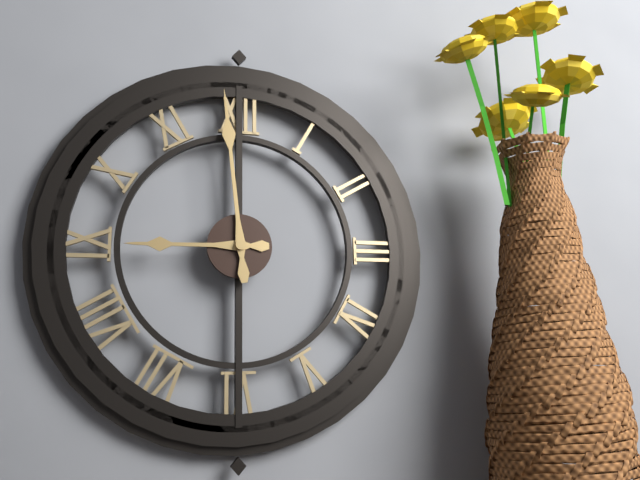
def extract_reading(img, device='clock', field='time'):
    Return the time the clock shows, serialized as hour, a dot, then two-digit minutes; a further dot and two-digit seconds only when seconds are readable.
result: 8.59
